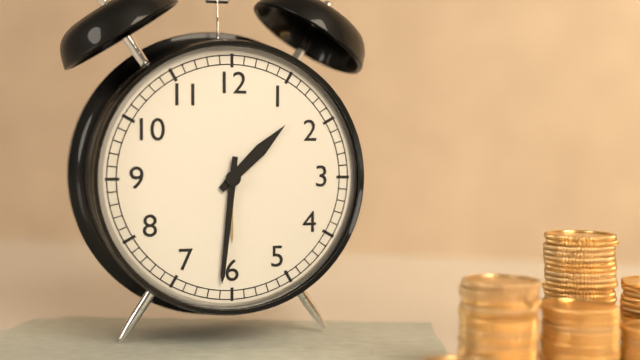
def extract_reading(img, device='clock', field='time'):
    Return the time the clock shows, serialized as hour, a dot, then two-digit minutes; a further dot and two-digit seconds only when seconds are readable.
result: 1.31
